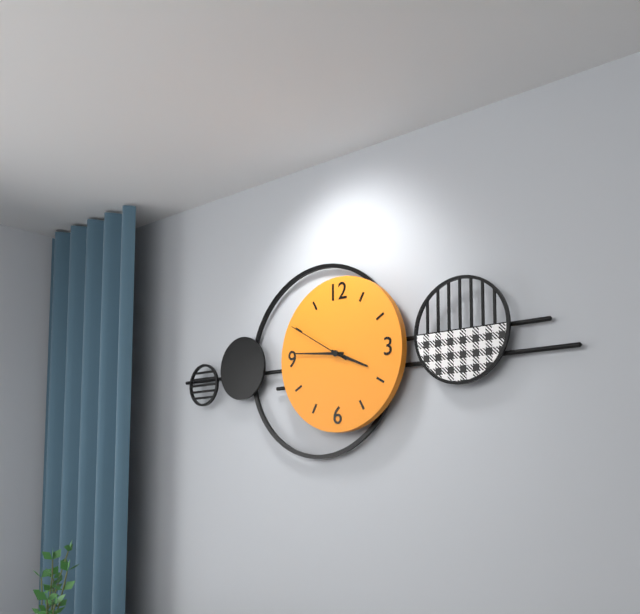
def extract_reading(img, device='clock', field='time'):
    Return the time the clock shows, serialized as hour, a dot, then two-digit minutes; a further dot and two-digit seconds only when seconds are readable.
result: 3.46.50
